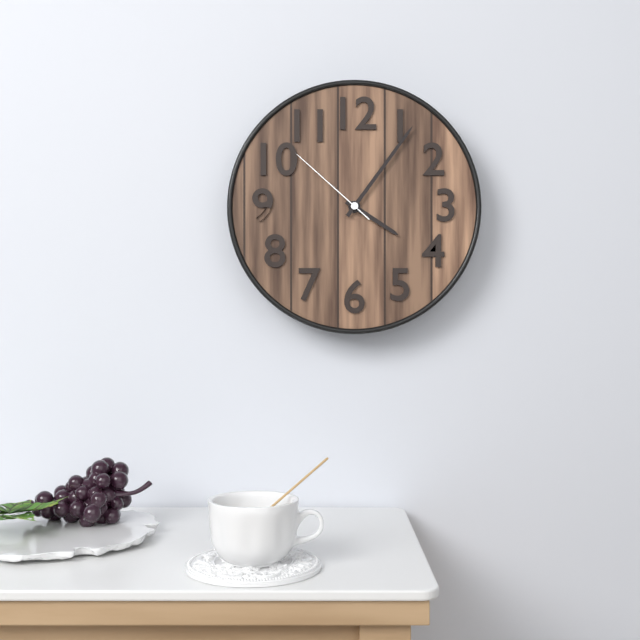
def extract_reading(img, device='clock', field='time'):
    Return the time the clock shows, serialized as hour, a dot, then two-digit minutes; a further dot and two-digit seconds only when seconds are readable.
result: 4.06.52
